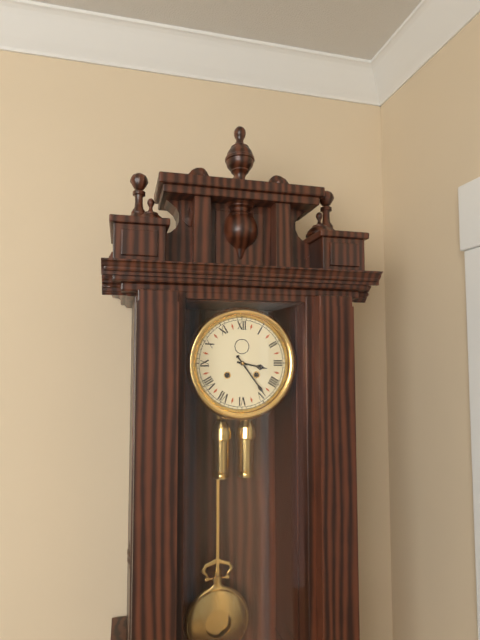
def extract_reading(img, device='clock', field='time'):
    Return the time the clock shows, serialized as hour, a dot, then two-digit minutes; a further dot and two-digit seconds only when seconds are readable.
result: 3.24
